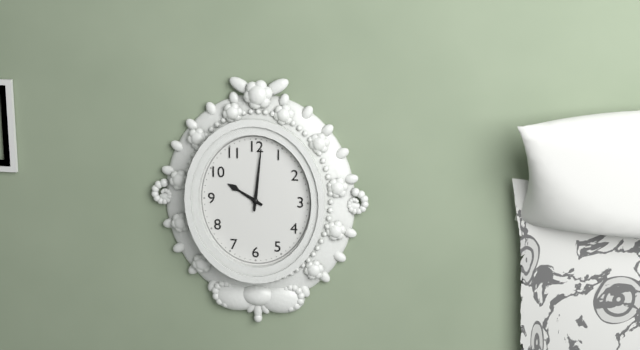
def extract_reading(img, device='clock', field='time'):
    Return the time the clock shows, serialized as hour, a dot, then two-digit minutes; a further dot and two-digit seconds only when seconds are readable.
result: 10.01
